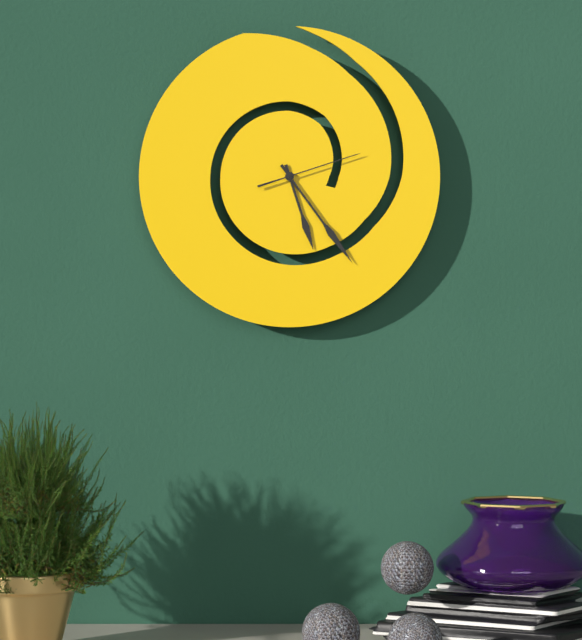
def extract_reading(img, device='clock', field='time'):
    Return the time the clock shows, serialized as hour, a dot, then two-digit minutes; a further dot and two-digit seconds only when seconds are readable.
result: 5.24.12
